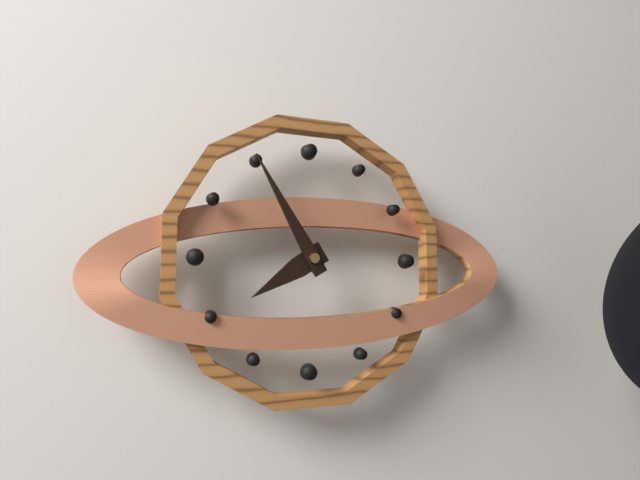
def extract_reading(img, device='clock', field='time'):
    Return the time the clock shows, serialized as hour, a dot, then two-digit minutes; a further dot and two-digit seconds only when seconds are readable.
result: 7.55
